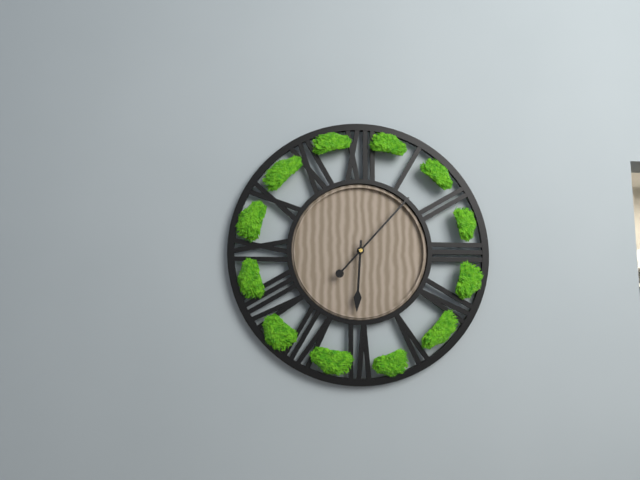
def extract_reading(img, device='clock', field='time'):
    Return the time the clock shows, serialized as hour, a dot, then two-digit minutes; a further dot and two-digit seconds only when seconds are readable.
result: 6.07
